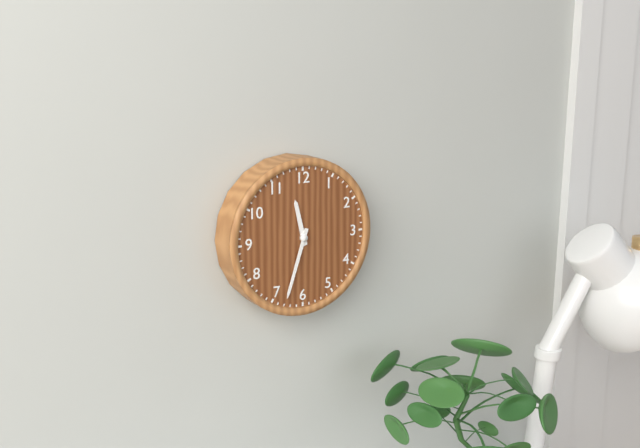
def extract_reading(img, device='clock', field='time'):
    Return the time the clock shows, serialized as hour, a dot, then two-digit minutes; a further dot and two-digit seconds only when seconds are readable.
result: 11.33
